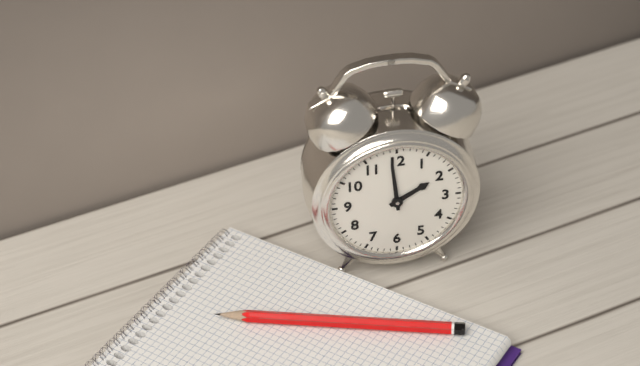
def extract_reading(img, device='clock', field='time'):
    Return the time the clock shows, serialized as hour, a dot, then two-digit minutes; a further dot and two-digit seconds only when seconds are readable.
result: 1.59
